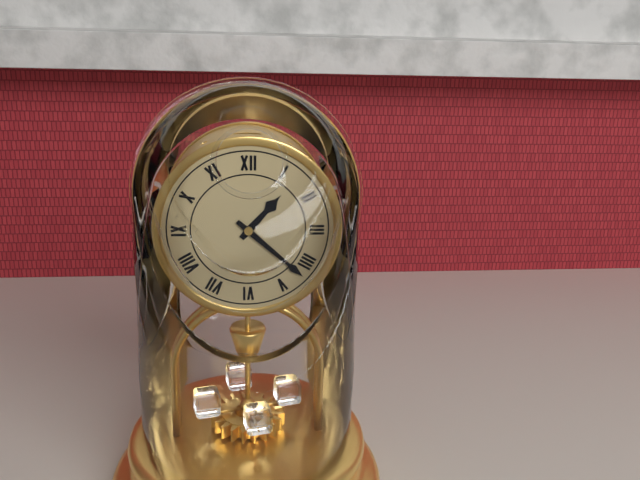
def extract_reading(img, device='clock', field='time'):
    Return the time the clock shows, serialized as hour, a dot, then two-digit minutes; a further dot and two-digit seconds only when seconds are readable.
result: 1.22
